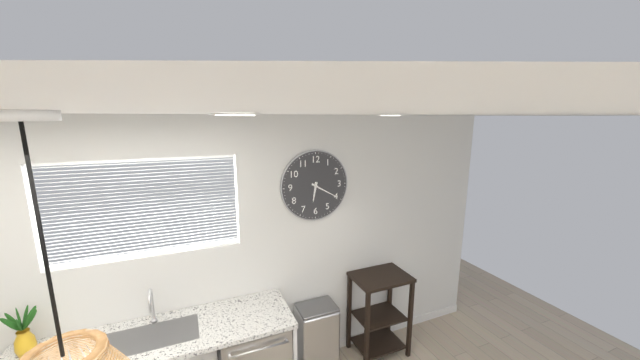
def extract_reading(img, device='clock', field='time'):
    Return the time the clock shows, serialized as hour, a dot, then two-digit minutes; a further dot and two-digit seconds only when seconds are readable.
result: 6.20
